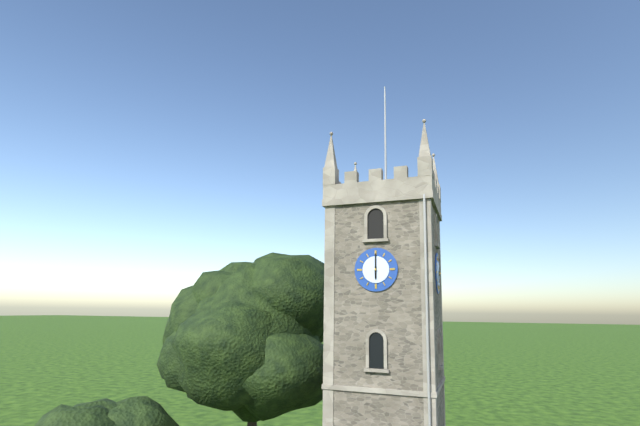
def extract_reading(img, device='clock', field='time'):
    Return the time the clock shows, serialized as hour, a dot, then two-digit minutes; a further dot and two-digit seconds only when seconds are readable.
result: 6.00
